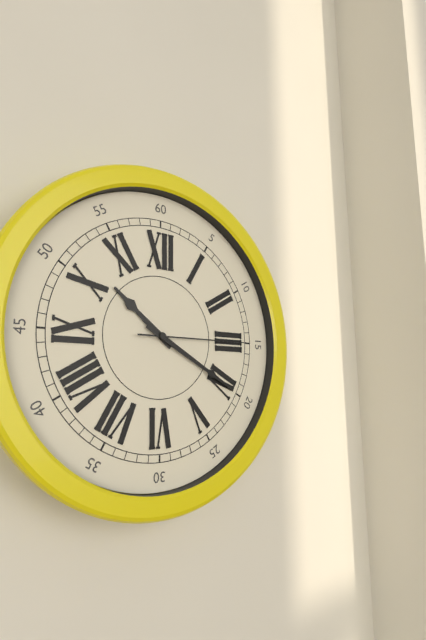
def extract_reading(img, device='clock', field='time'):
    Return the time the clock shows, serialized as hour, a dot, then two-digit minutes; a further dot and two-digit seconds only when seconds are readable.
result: 10.20.15
